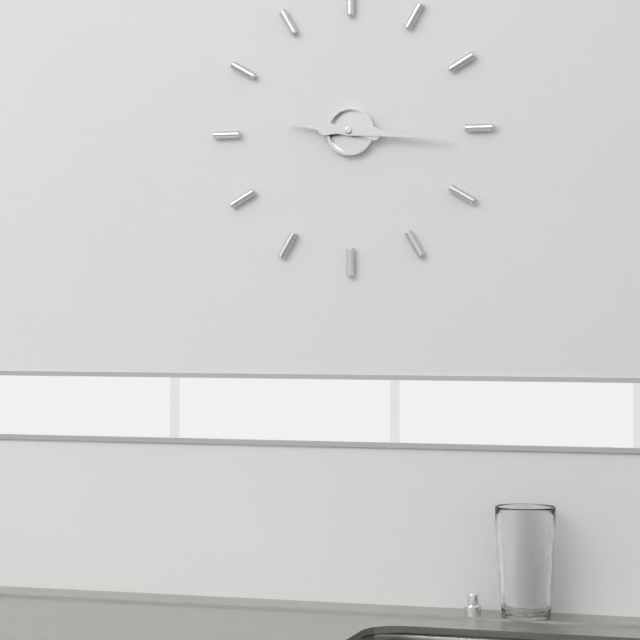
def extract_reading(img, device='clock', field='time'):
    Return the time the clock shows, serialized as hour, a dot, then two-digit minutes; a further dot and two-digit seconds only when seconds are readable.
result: 9.16
